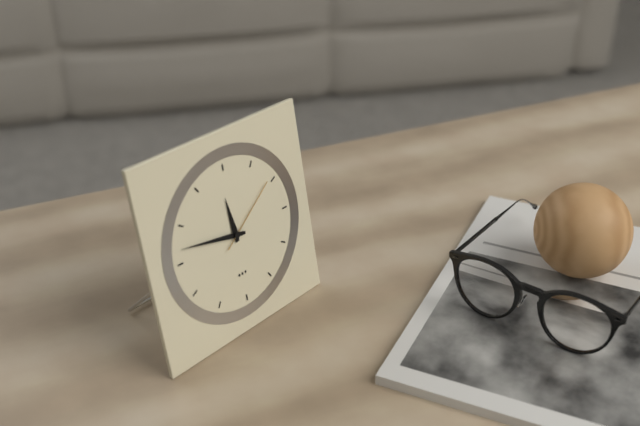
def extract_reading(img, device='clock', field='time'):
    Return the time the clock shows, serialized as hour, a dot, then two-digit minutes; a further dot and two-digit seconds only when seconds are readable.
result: 11.47.09
